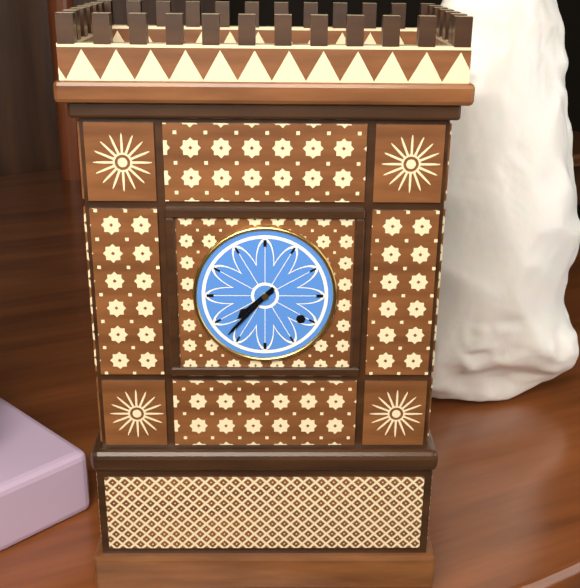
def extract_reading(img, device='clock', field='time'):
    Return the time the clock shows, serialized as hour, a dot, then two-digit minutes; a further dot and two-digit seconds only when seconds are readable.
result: 7.37
